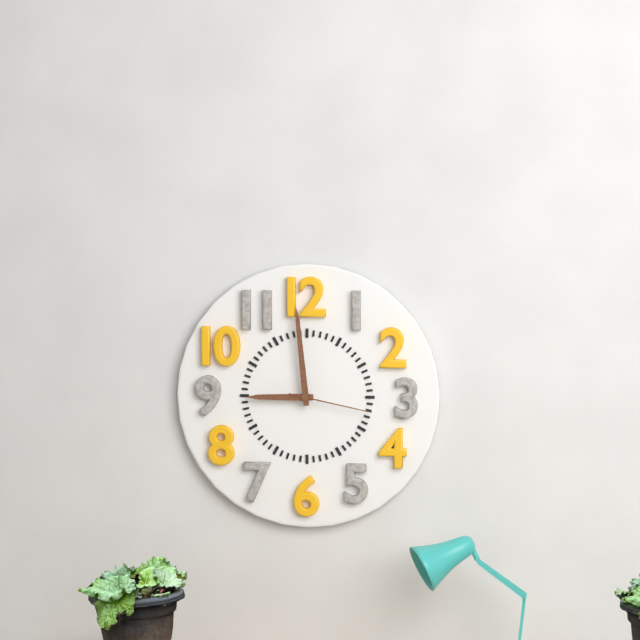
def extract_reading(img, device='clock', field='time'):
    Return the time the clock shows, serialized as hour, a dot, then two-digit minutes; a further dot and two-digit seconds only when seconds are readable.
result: 8.59.17
